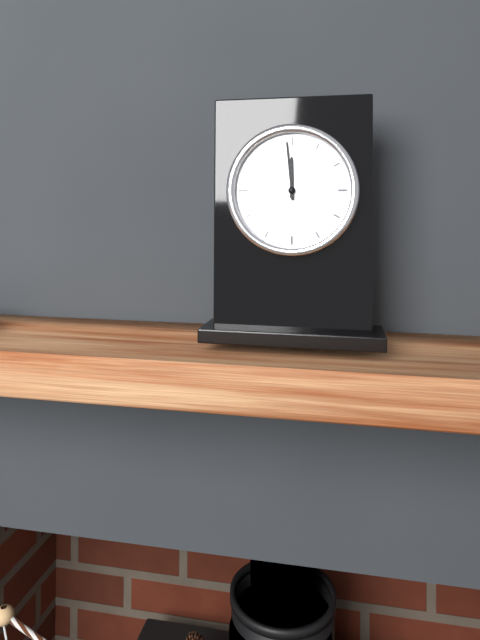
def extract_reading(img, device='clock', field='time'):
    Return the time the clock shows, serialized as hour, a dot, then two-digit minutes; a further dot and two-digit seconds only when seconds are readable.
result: 11.59
